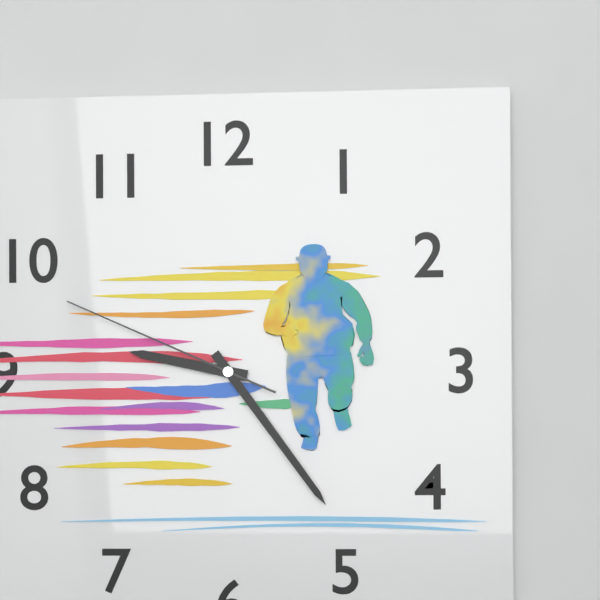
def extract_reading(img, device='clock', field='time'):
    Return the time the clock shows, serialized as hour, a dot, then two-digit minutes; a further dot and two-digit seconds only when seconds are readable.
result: 9.24.49
